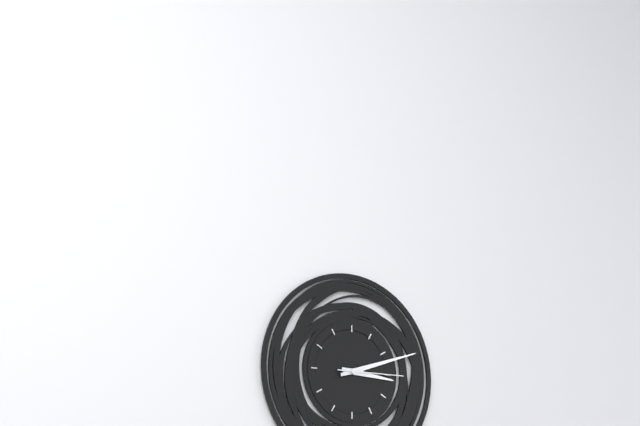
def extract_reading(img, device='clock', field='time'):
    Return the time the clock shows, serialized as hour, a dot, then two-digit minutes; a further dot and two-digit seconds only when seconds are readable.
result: 3.12.15
